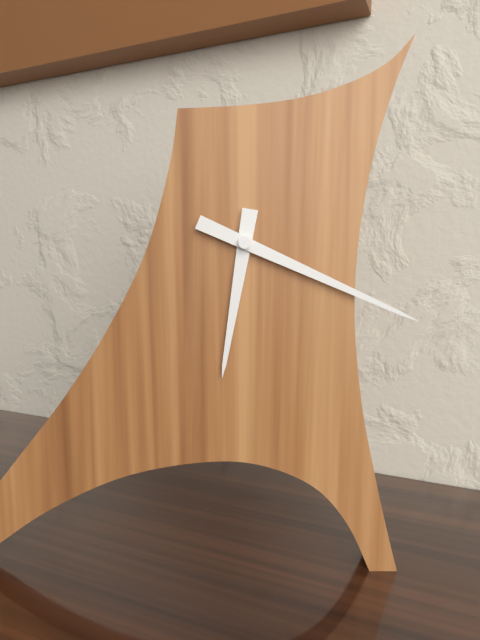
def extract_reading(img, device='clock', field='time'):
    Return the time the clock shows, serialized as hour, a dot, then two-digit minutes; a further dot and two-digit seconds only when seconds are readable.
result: 6.19
